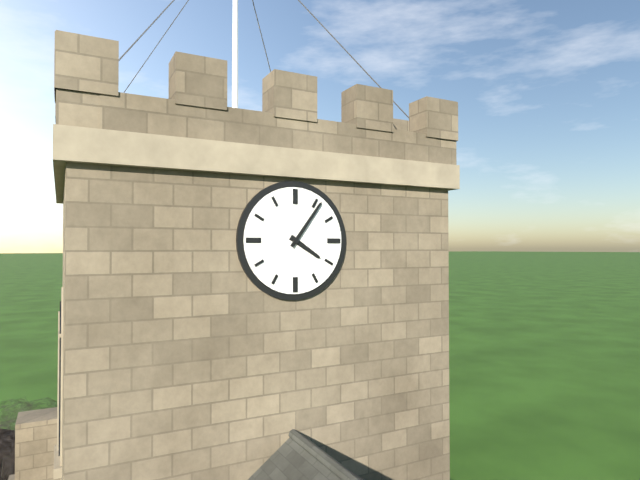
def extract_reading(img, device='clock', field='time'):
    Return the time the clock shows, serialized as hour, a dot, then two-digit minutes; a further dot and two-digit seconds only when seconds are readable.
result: 4.06
